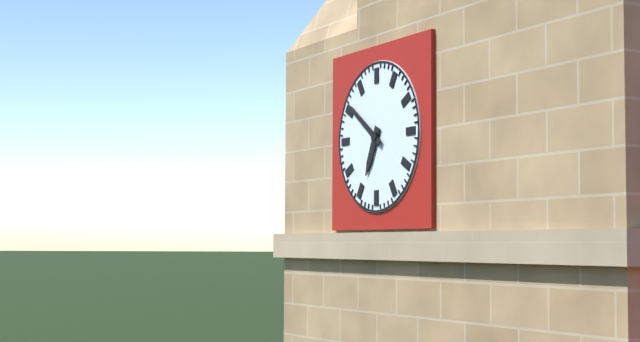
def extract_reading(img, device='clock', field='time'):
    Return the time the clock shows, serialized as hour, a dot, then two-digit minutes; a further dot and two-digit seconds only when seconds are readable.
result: 6.51
